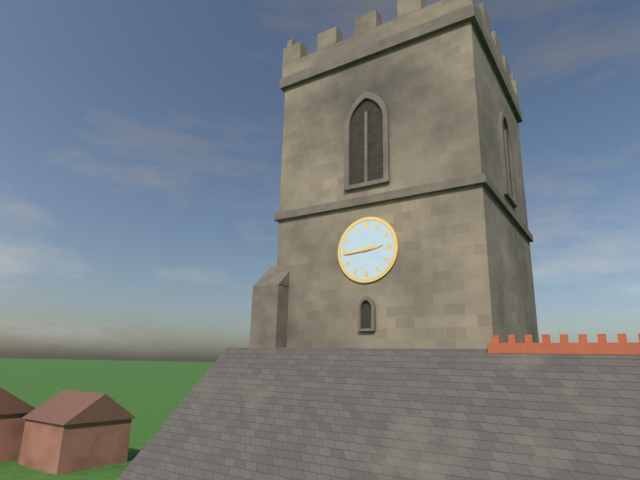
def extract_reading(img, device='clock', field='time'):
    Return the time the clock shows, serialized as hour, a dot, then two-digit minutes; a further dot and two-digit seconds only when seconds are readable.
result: 2.44
